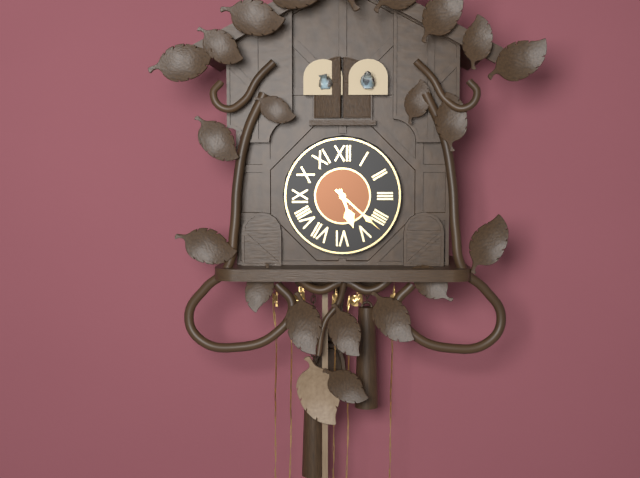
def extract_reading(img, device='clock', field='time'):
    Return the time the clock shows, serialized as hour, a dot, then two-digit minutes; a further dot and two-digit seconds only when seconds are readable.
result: 5.22
